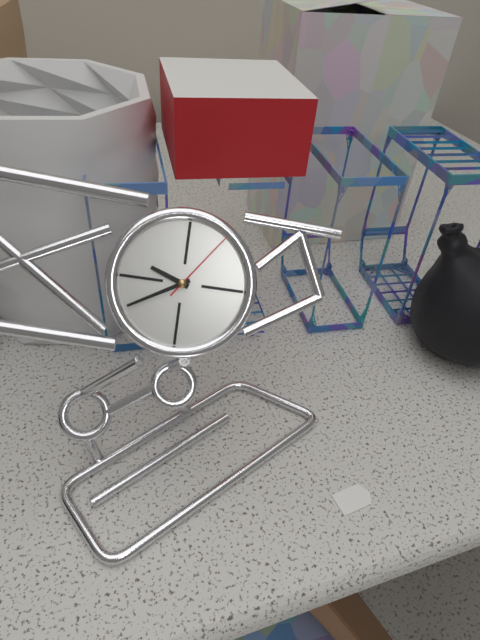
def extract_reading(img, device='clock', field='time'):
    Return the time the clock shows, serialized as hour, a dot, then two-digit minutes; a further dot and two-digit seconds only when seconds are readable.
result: 9.40.06
